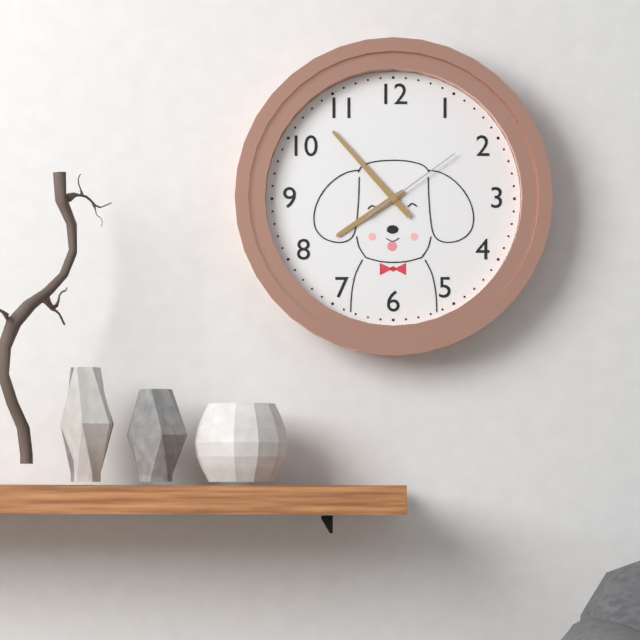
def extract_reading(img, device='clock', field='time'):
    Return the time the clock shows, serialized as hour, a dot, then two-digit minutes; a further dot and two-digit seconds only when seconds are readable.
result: 7.53.09
